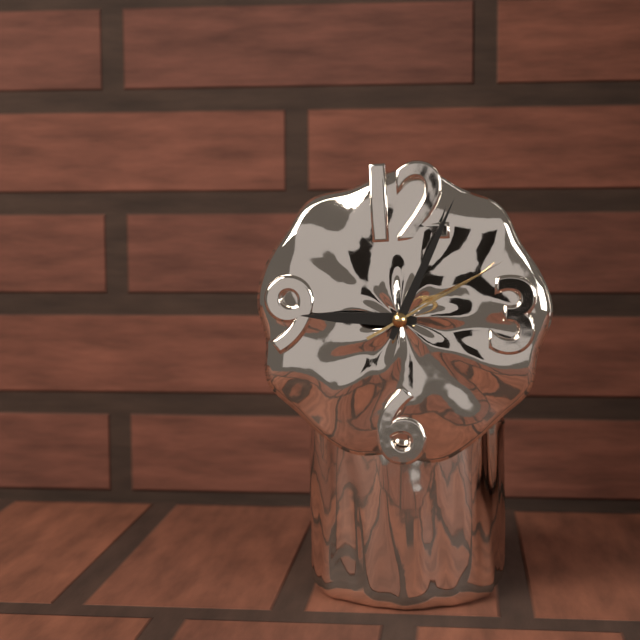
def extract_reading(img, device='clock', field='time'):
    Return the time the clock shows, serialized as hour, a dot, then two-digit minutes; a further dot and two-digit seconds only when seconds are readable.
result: 9.04.10
